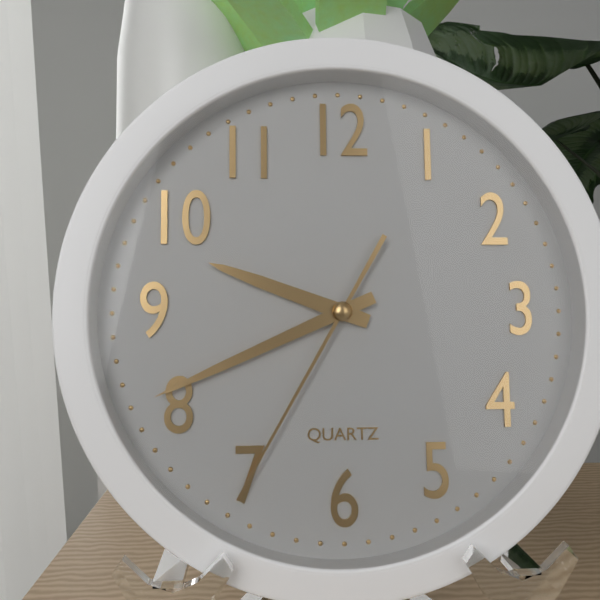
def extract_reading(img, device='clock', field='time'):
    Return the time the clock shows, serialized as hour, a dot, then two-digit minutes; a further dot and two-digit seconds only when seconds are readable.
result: 9.41.35
